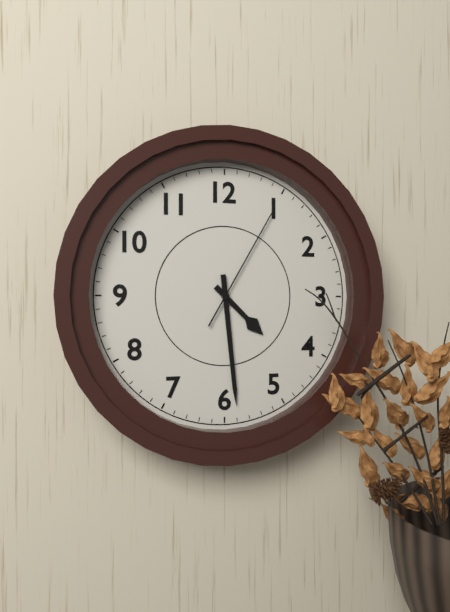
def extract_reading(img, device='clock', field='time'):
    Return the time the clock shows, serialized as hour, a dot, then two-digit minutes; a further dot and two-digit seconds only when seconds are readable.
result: 4.29.05
